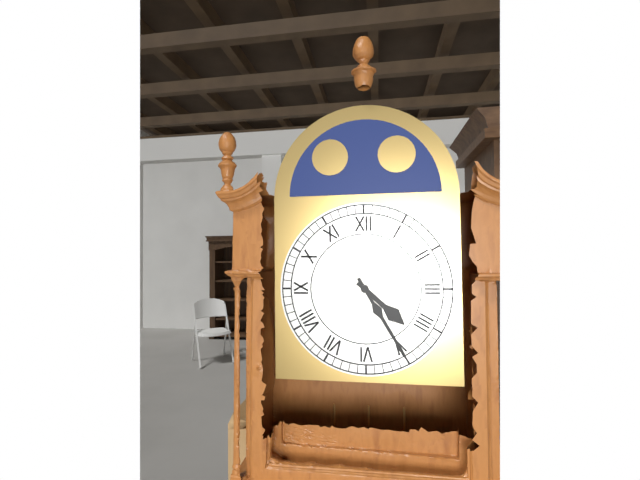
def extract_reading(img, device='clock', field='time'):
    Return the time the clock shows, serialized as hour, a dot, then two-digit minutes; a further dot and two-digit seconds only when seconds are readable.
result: 4.25
